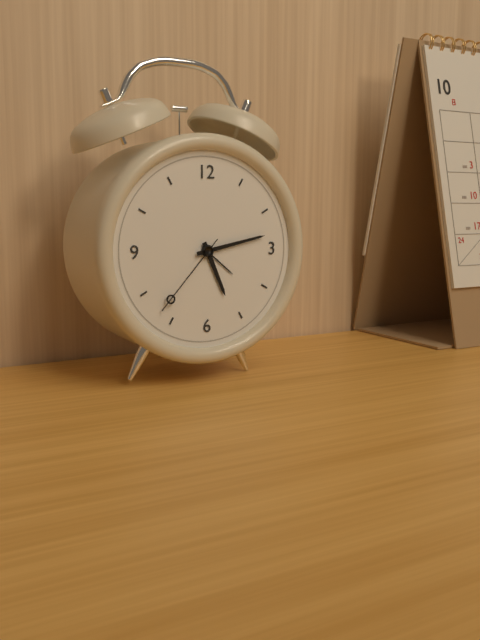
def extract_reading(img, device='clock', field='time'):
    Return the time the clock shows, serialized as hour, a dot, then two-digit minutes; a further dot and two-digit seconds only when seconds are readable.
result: 5.13.37
